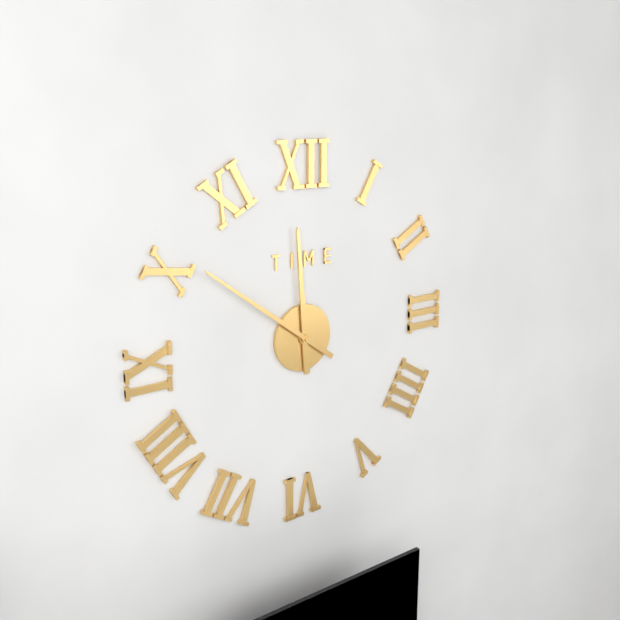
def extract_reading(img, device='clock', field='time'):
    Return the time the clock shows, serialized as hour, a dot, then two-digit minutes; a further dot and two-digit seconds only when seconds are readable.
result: 11.51
